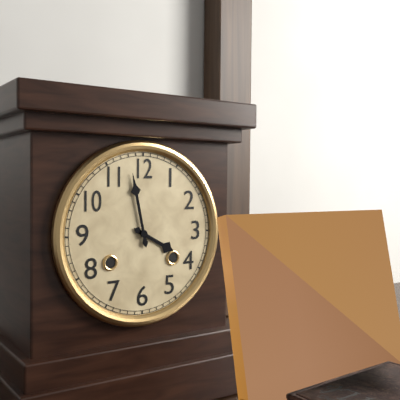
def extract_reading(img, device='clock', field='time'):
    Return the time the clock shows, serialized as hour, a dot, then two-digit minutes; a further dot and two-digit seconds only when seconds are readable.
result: 3.58
